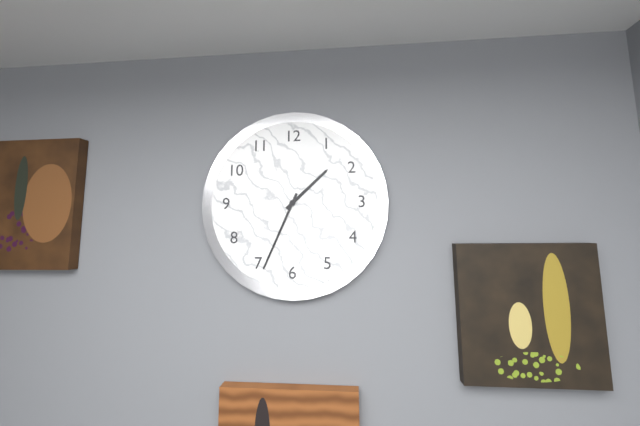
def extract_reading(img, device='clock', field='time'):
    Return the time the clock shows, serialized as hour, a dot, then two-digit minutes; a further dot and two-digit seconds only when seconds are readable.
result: 1.34
